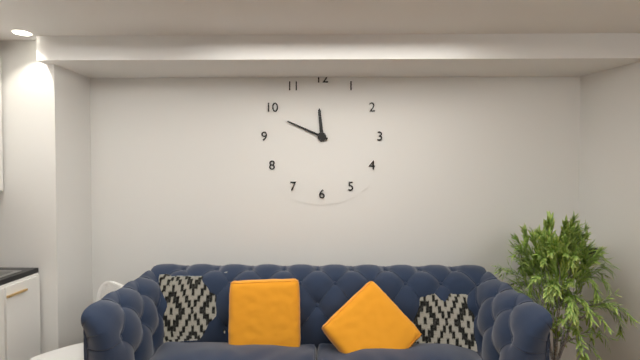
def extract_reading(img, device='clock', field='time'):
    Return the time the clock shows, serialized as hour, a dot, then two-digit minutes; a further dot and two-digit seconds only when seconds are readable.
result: 11.49
